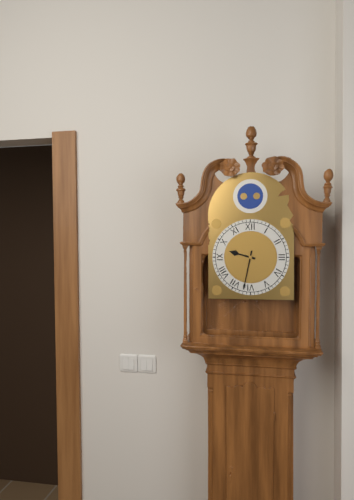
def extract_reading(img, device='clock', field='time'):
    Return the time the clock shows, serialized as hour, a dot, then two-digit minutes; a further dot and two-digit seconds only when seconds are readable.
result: 9.32
